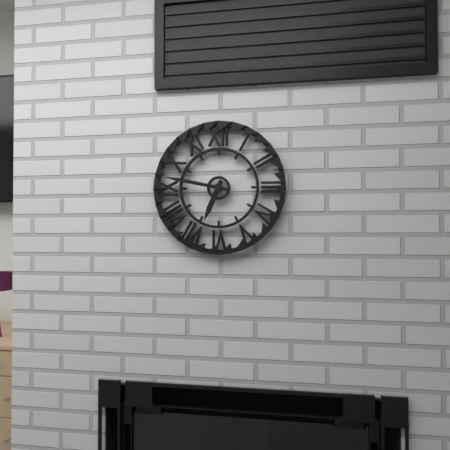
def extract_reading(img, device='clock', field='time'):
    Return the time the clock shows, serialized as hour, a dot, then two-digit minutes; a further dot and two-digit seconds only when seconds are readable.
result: 6.47
